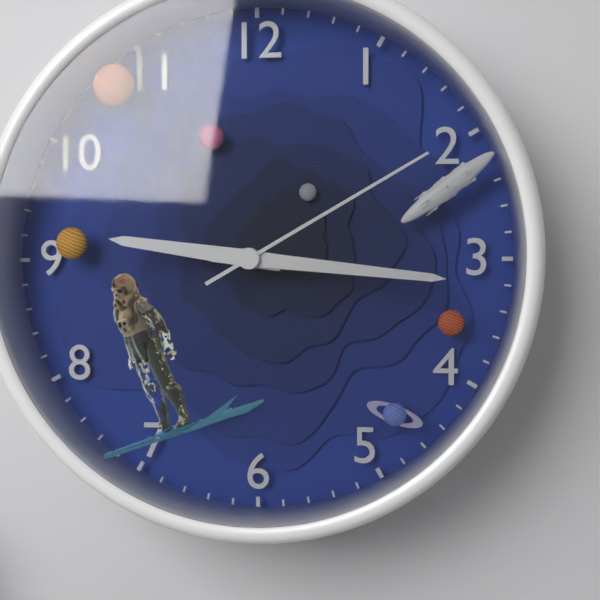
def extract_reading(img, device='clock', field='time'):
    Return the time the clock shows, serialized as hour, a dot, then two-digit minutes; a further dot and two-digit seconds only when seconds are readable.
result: 9.16.10
